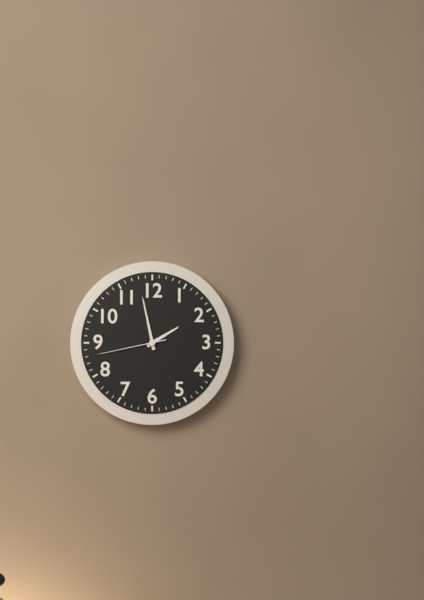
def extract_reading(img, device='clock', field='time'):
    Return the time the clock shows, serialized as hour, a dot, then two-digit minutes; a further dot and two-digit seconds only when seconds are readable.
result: 1.58.43
